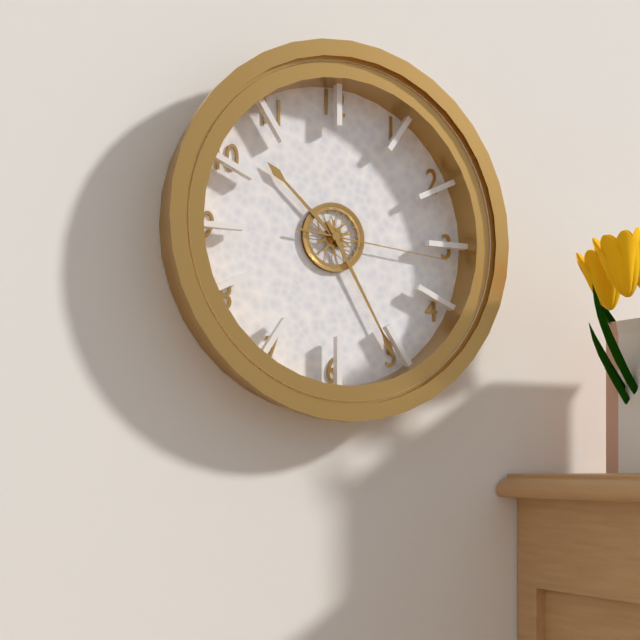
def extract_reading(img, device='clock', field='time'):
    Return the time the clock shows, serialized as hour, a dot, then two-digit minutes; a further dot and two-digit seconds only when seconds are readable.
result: 10.25.16
